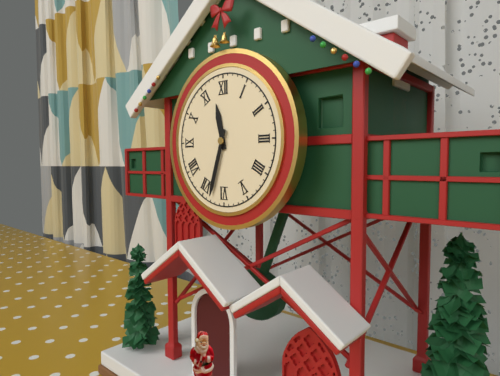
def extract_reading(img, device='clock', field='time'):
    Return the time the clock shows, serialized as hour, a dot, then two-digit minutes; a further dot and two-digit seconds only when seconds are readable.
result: 11.33
